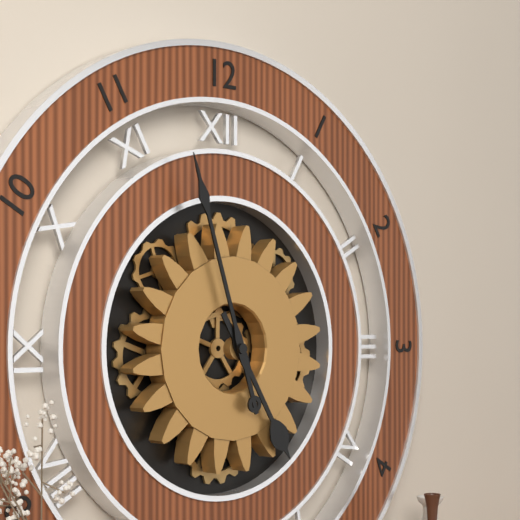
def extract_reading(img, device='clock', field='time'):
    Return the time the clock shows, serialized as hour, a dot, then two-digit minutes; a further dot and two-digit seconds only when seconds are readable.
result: 4.57
